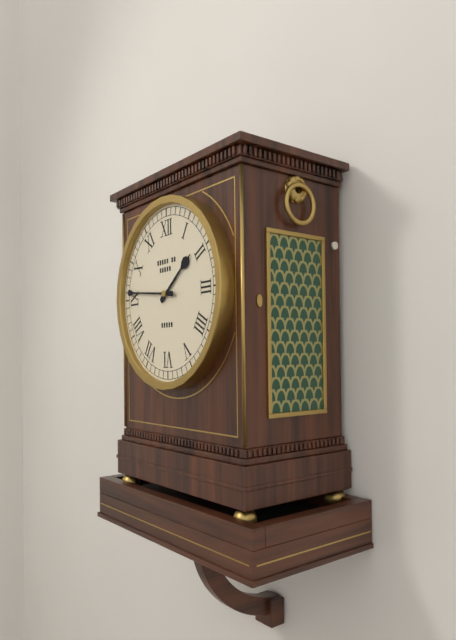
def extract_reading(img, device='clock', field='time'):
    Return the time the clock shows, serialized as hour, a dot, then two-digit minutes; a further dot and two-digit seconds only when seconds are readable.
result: 1.46
